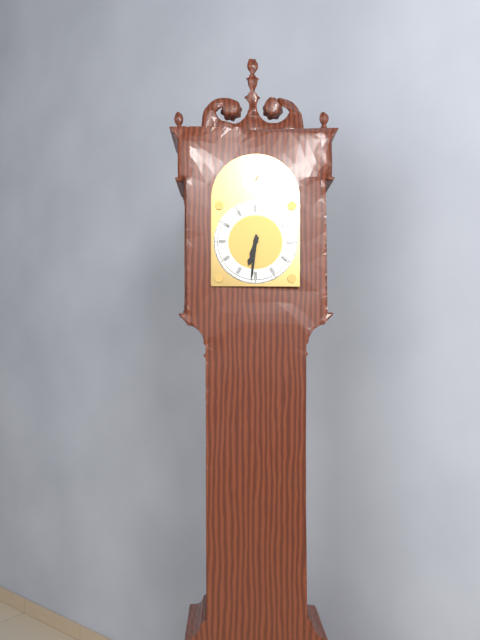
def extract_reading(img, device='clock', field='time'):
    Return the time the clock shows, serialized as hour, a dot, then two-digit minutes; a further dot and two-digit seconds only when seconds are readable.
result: 6.31
